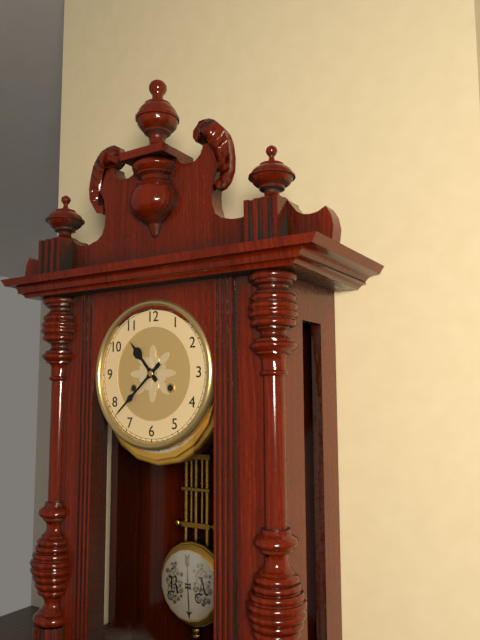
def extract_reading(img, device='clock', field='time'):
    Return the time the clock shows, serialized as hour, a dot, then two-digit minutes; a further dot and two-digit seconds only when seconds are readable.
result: 10.38
